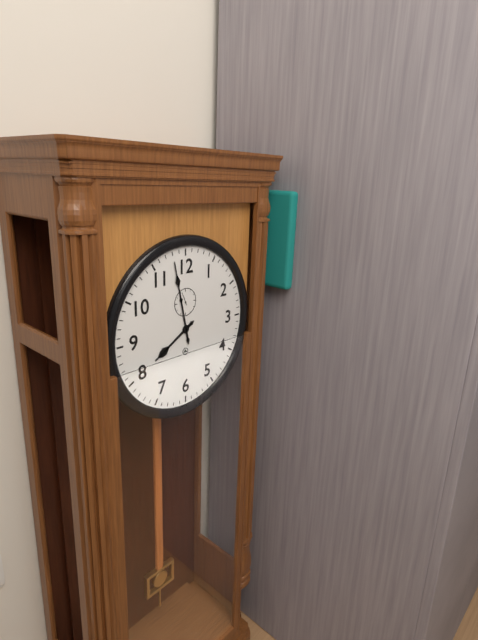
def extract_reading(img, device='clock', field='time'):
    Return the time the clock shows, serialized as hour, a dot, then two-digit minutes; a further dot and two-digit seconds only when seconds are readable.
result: 7.58
